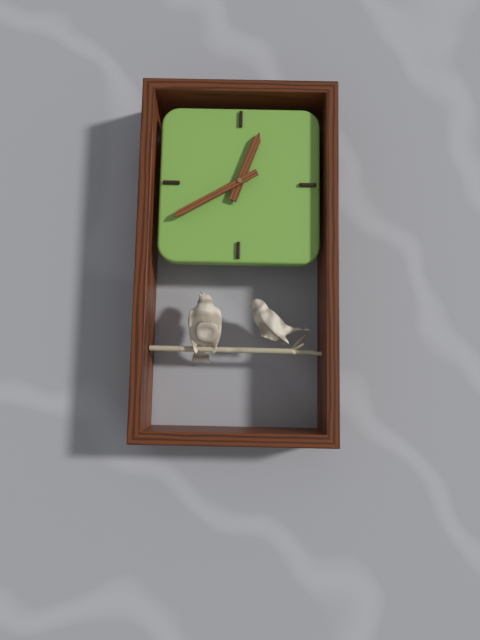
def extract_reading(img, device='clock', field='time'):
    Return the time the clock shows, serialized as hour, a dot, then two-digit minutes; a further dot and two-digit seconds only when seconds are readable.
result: 12.40
